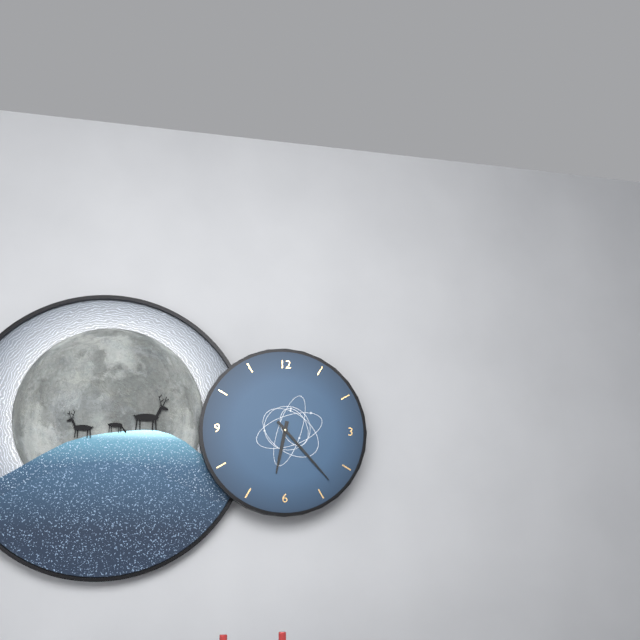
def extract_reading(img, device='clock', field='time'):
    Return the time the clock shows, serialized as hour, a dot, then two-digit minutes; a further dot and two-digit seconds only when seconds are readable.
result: 6.23
